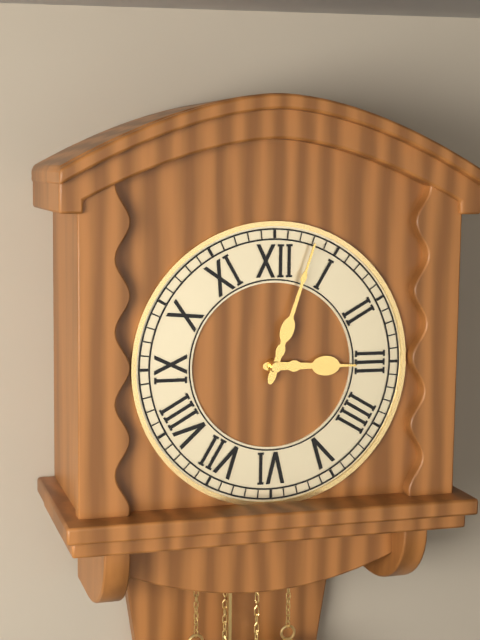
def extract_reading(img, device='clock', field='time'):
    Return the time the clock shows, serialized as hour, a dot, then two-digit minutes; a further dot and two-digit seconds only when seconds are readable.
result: 3.03
